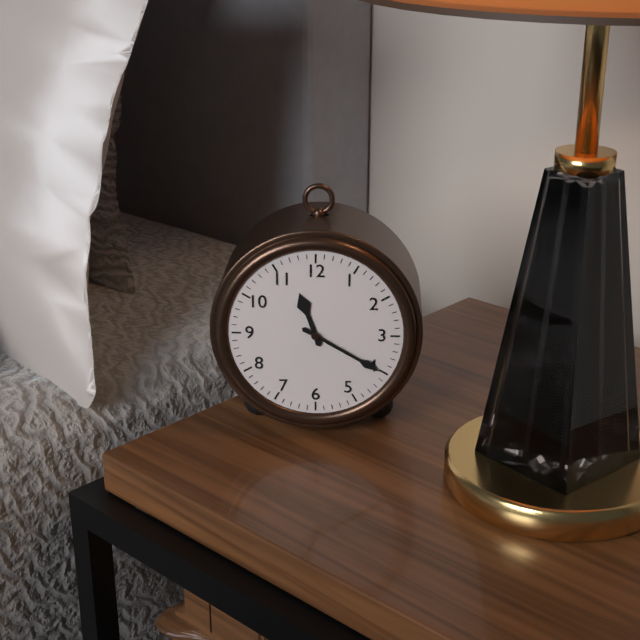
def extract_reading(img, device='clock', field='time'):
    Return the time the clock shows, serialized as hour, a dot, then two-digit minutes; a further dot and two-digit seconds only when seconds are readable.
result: 11.20
